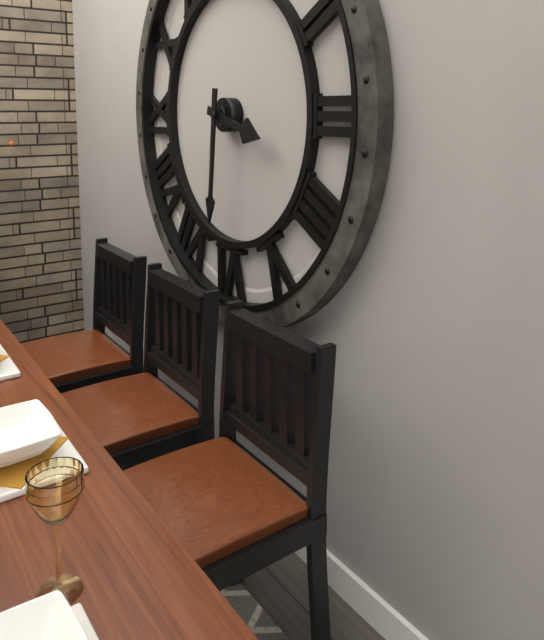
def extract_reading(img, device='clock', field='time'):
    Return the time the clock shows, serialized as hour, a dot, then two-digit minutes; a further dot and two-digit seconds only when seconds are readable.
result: 3.31
